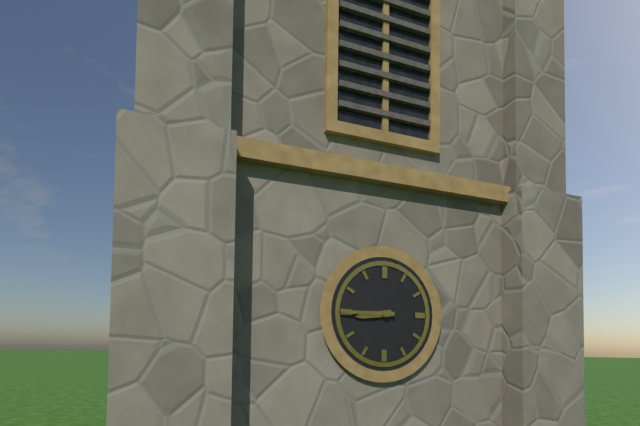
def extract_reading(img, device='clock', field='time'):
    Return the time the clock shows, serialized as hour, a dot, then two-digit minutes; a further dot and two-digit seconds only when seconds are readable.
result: 8.45
